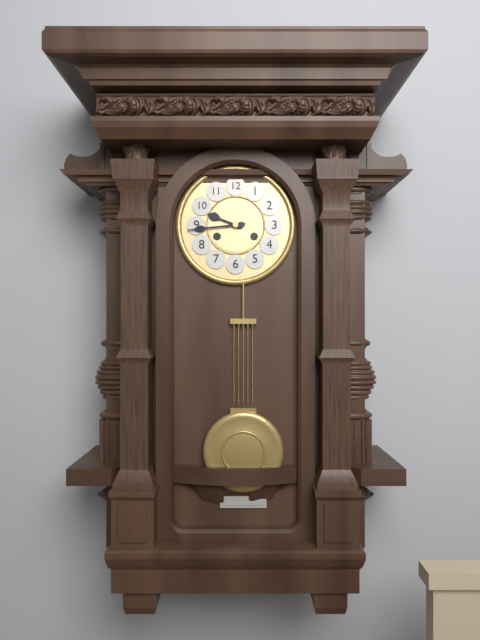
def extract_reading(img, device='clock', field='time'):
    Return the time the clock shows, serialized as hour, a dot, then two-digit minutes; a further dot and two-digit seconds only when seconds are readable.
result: 9.44
